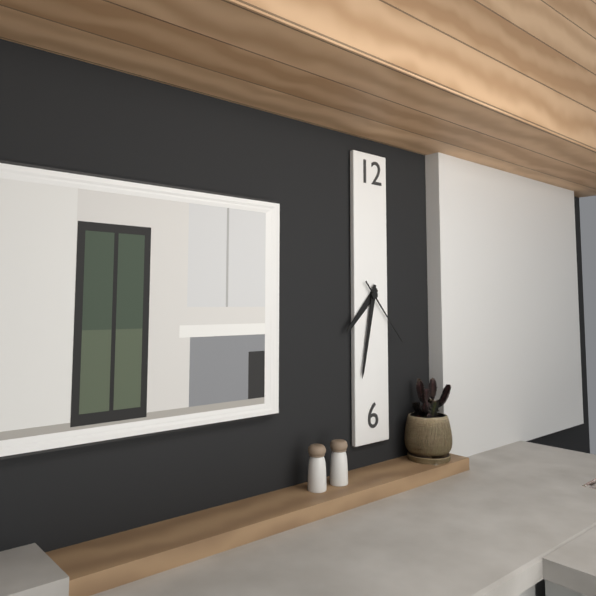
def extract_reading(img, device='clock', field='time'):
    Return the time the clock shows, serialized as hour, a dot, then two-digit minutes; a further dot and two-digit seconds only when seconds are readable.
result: 7.32.23
